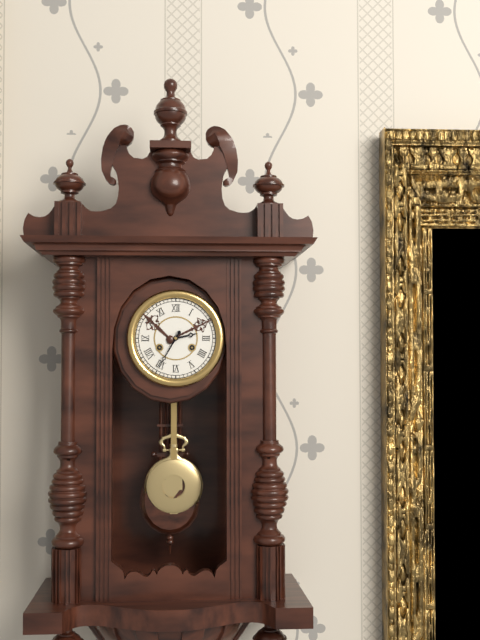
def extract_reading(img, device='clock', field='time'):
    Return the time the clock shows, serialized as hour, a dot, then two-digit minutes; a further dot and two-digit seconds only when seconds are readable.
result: 2.35
